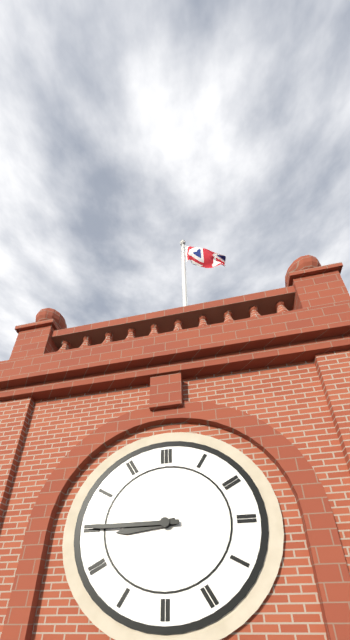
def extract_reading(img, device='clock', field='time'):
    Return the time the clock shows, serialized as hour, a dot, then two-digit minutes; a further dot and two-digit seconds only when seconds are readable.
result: 8.45
